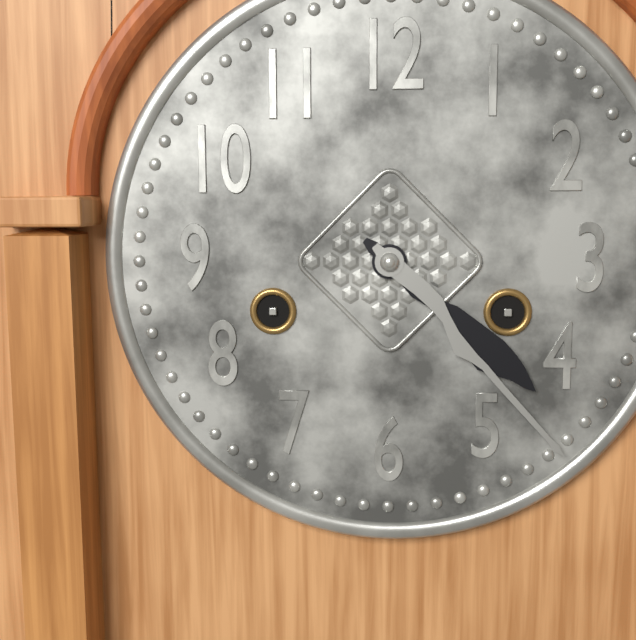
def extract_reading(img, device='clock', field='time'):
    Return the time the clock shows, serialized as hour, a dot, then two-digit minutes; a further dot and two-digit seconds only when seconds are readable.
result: 4.23
